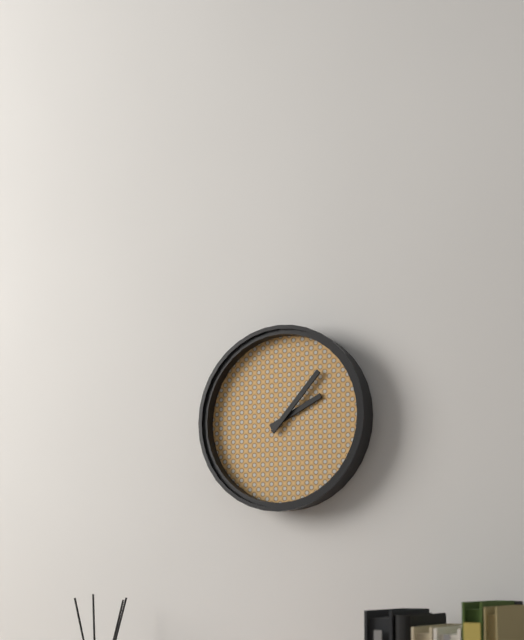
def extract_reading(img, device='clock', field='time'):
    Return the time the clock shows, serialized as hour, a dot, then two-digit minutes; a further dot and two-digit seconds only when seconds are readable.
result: 2.07
